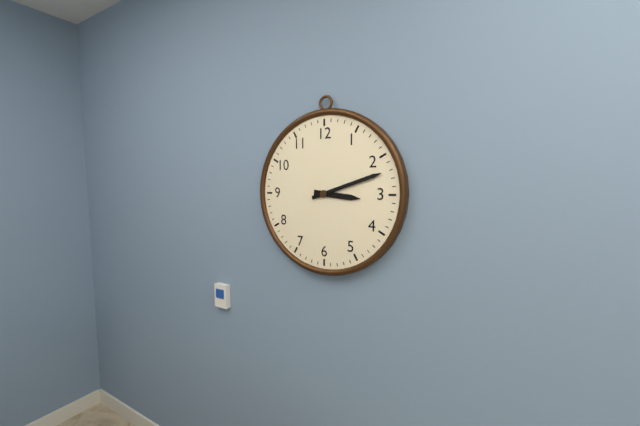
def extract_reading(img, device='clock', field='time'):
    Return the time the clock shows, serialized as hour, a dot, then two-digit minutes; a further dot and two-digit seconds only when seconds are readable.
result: 3.12
